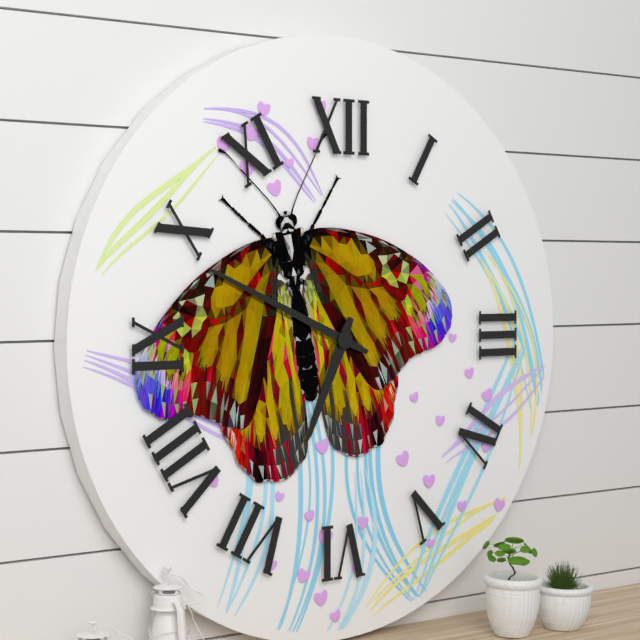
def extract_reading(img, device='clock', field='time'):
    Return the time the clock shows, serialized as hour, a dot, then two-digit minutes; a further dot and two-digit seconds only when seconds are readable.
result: 6.49
